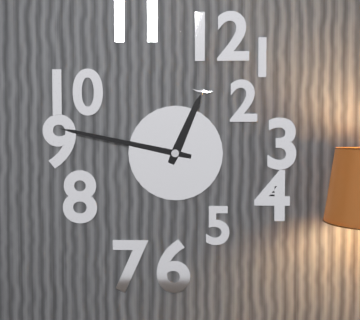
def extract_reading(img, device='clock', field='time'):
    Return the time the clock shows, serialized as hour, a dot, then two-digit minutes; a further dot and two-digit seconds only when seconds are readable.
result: 12.47
